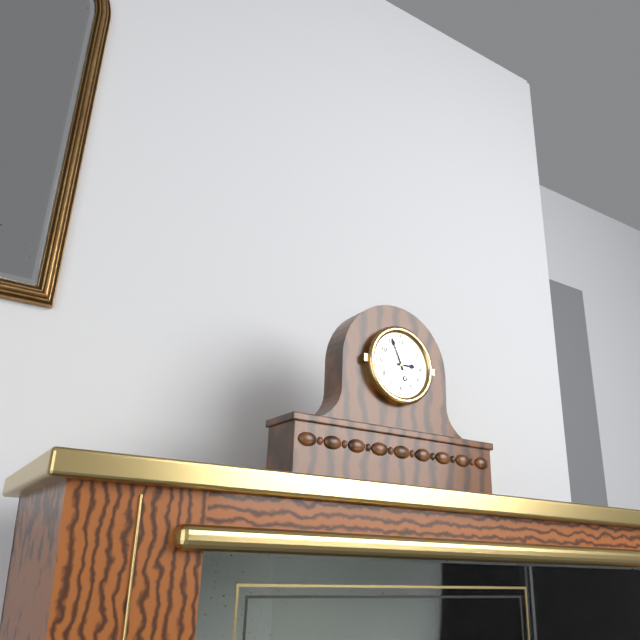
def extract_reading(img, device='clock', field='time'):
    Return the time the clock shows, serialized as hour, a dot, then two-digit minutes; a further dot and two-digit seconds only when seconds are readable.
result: 2.56
